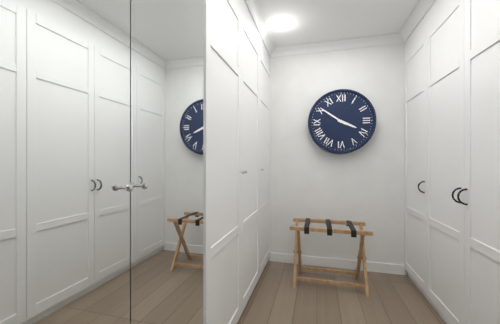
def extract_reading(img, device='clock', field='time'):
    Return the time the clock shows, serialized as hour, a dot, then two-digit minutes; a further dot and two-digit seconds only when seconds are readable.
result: 3.51
